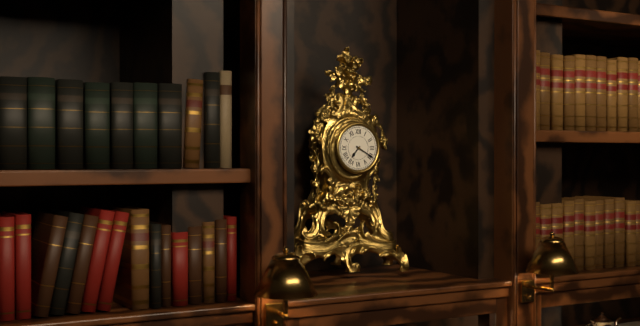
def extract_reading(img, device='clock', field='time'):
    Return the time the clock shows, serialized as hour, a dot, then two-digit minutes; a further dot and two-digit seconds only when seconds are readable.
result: 7.20
